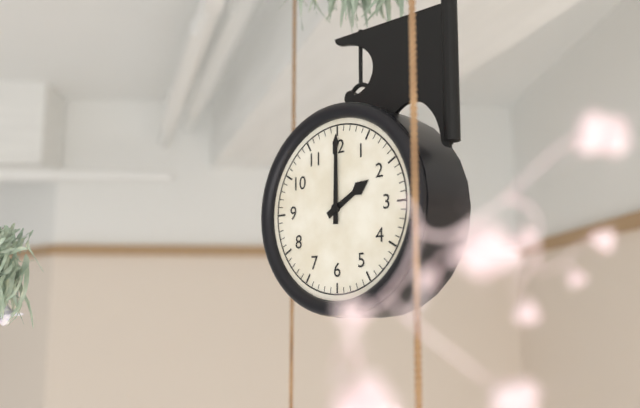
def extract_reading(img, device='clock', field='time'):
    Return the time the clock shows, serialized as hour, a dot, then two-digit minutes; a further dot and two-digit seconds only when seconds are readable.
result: 2.00
